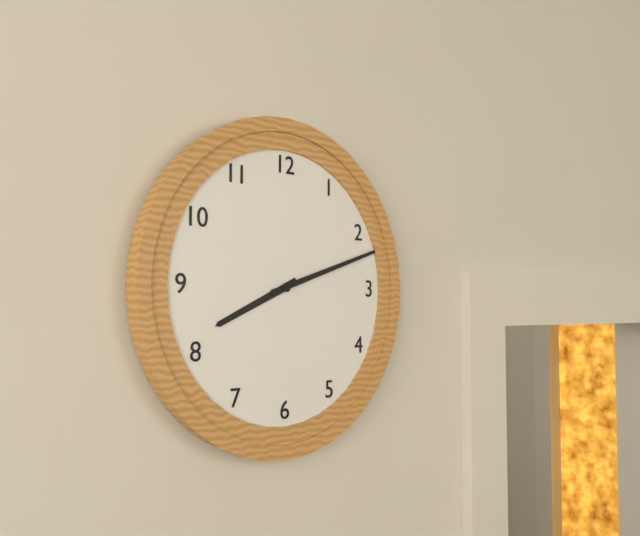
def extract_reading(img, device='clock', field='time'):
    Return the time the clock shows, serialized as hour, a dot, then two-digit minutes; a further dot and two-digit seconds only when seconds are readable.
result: 8.12
